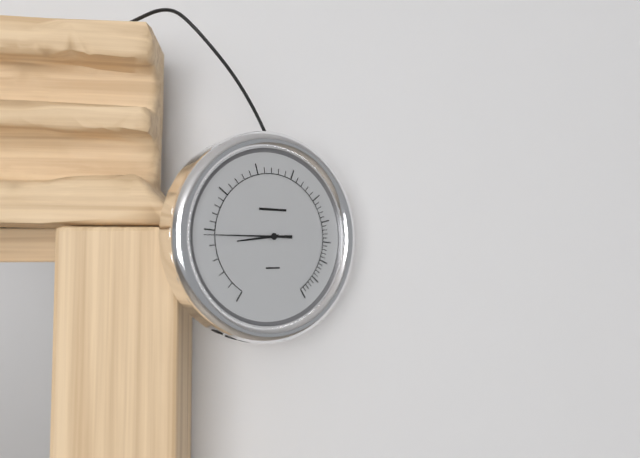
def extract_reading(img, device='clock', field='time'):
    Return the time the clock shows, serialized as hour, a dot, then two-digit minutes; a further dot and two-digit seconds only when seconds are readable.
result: 8.45
